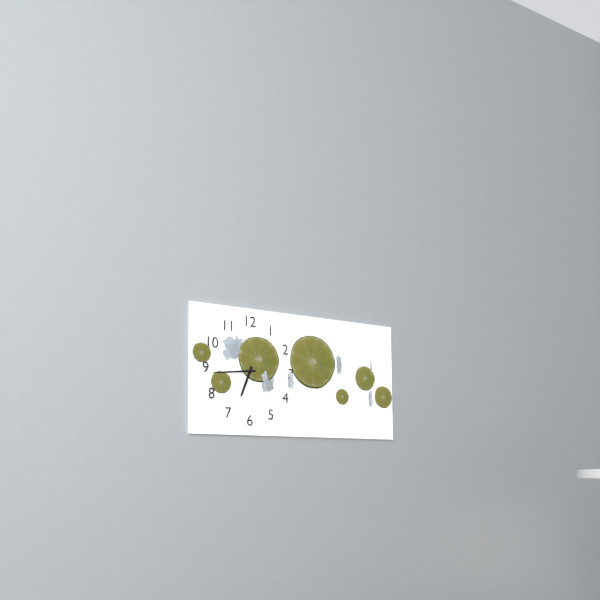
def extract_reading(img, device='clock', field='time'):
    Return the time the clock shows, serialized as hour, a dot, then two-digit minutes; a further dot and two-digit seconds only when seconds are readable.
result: 6.44
